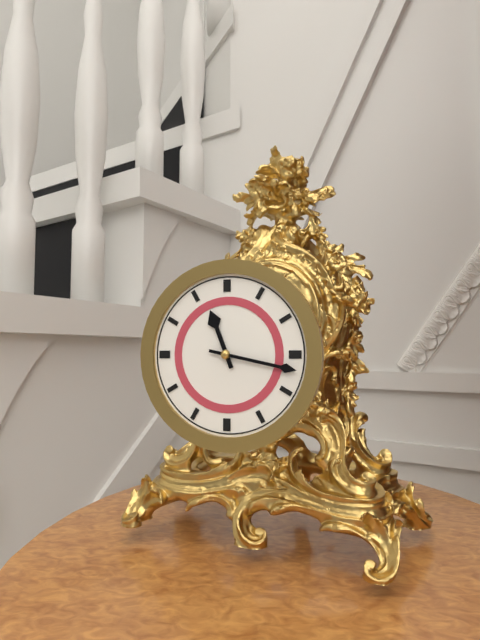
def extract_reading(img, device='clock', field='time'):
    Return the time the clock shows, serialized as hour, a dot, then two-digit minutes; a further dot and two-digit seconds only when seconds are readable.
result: 11.17
